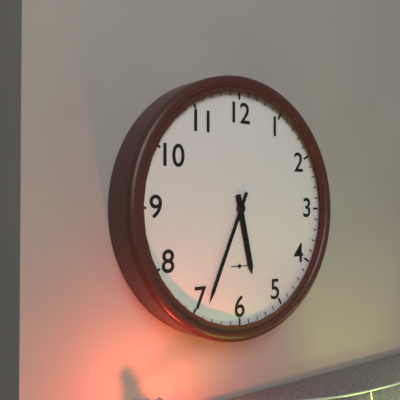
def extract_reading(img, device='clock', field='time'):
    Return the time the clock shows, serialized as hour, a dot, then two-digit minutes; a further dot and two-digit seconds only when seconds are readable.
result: 5.34
